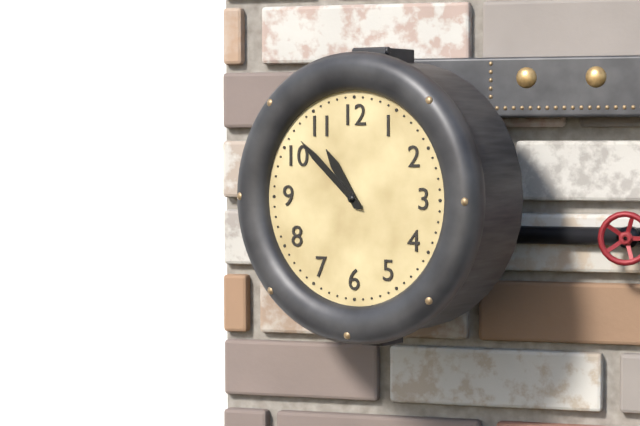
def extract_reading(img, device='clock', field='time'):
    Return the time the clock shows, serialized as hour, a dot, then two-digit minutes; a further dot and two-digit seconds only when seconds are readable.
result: 10.52
